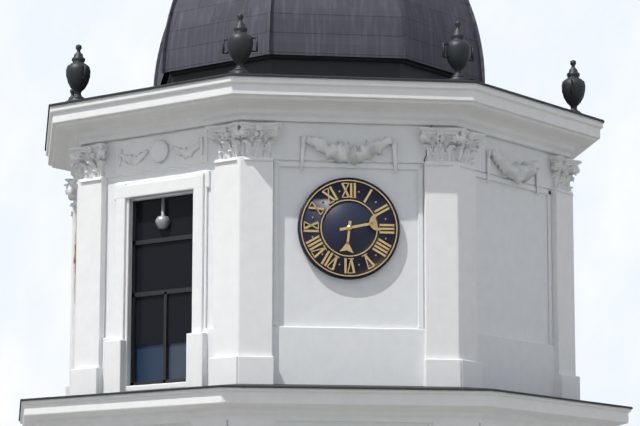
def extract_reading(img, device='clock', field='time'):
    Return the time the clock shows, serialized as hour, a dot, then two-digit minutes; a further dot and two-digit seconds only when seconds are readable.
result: 6.13
